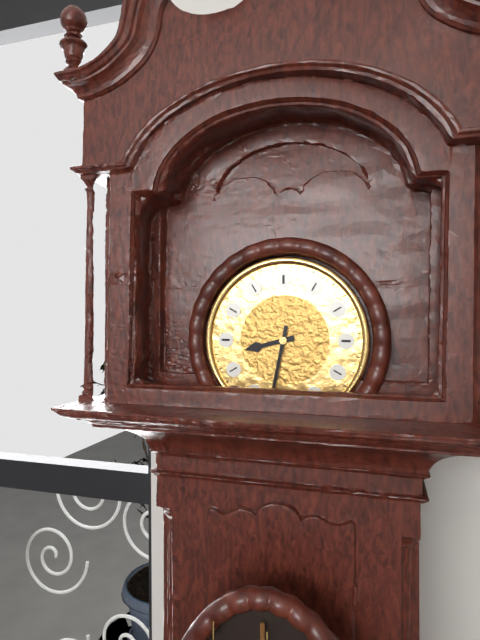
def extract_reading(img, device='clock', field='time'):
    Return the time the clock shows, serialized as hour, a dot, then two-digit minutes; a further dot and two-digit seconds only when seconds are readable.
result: 8.32
